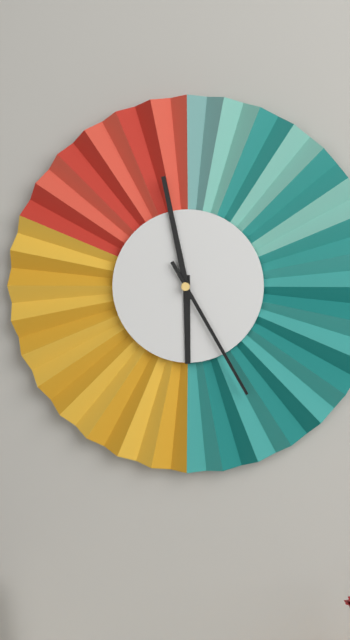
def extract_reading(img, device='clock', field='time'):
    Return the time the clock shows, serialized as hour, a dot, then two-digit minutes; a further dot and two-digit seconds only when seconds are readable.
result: 5.58.25
